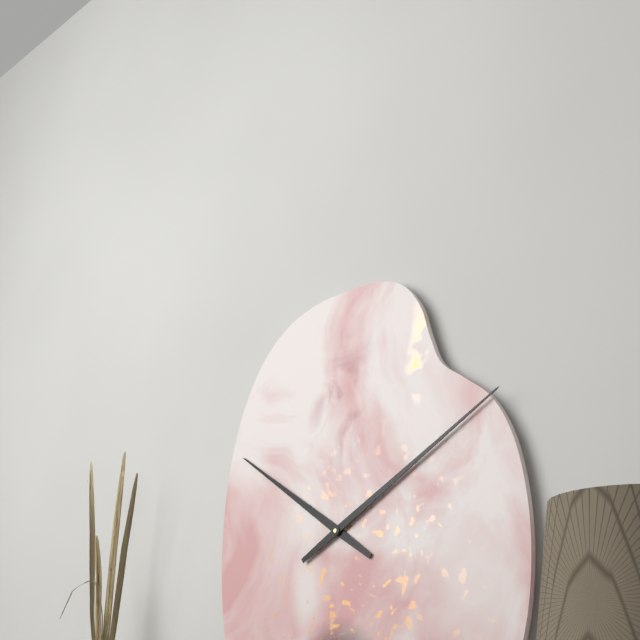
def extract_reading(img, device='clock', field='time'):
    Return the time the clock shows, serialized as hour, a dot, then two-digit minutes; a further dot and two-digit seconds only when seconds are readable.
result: 10.10
